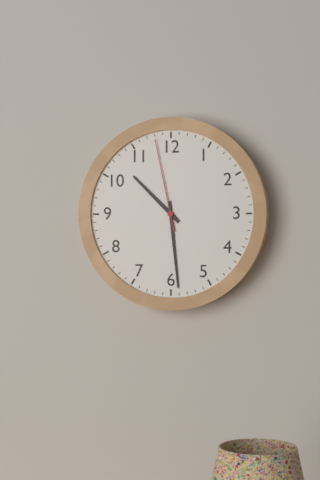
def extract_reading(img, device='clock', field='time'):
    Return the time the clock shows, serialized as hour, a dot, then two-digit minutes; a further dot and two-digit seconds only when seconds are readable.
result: 10.29.58
